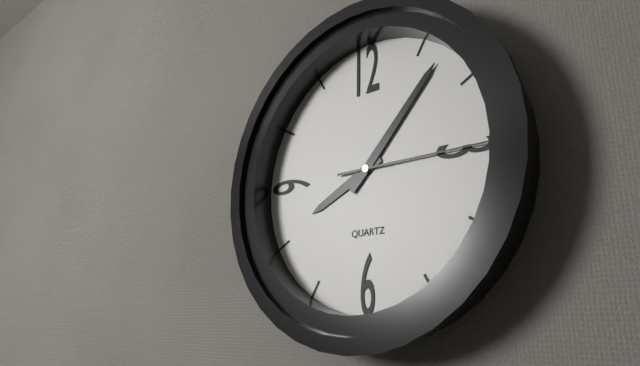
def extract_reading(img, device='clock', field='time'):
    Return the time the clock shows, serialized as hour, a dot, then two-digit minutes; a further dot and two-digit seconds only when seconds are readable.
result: 8.07.15
